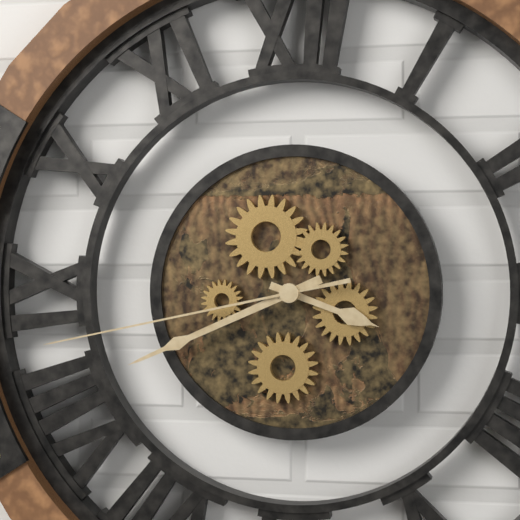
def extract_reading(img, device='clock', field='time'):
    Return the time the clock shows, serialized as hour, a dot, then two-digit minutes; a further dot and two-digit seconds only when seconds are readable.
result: 3.41.43
